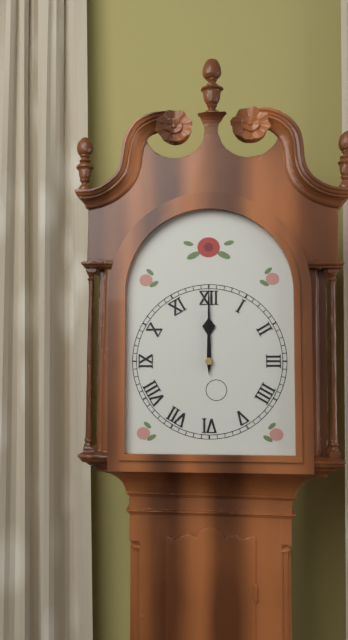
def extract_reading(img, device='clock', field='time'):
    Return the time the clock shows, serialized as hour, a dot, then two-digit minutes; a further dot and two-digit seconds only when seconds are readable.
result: 12.00
